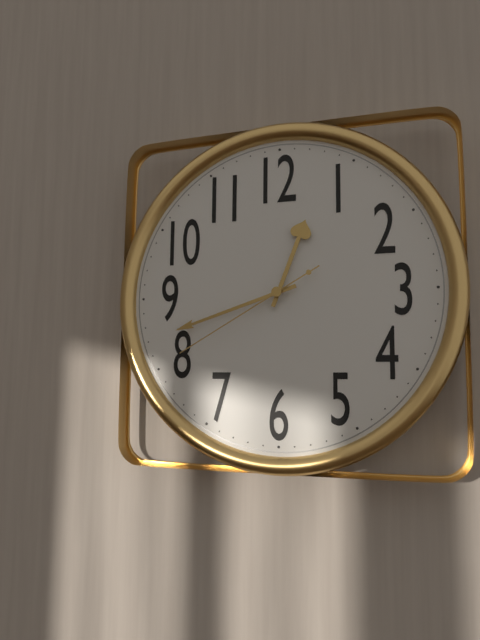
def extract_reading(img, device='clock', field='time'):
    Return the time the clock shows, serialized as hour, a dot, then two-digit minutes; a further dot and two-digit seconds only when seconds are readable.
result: 12.42.40
